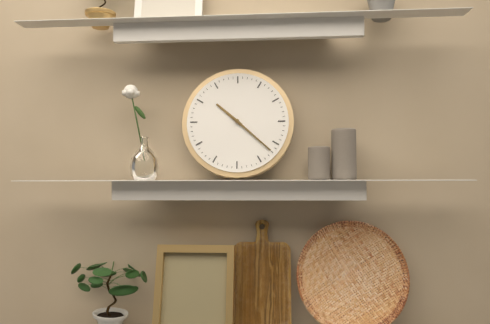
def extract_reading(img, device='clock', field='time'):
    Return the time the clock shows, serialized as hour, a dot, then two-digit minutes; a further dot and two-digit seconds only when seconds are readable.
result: 10.22
